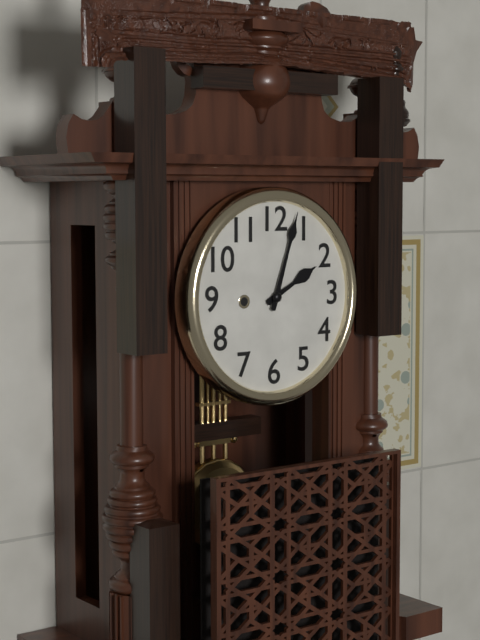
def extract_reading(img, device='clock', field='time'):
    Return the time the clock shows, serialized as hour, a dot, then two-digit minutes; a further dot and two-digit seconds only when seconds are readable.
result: 2.03
